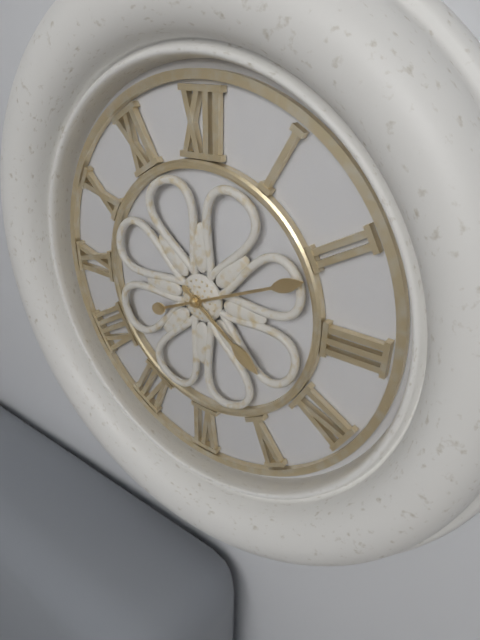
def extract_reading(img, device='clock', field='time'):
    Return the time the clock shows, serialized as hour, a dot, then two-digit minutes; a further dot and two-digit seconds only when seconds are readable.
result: 4.11
